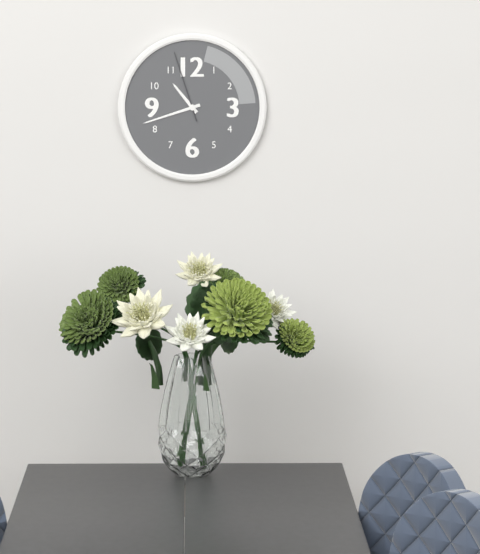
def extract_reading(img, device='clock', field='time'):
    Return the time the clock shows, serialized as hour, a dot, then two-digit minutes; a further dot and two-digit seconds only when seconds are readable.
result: 10.42.57
